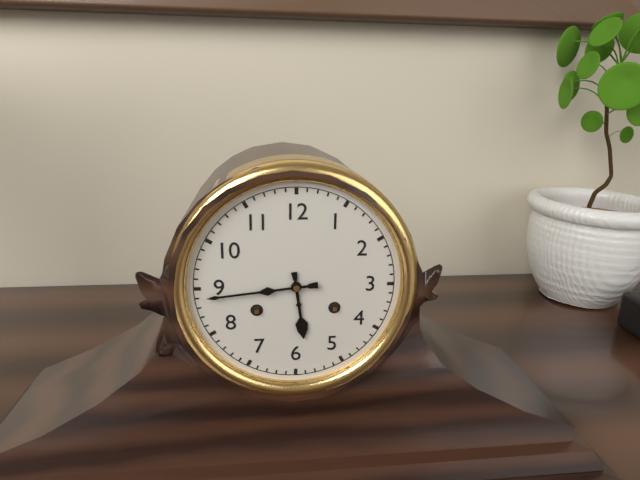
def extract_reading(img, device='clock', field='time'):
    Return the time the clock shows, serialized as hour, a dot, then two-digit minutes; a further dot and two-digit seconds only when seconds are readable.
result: 5.44
